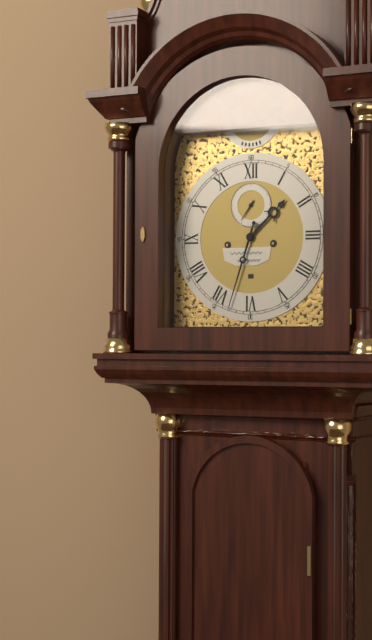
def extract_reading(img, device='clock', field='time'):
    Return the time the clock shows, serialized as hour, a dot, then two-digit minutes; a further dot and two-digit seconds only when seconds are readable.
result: 1.33
